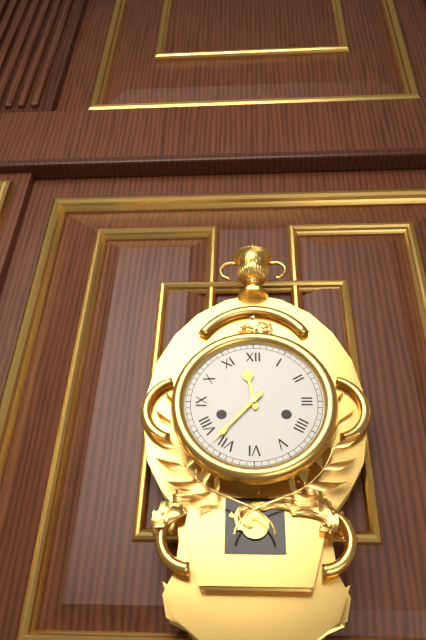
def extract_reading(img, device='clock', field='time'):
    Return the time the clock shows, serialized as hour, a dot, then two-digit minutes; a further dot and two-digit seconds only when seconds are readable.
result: 11.37
